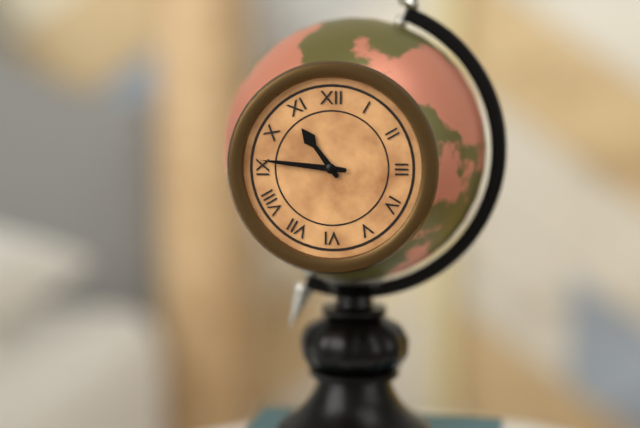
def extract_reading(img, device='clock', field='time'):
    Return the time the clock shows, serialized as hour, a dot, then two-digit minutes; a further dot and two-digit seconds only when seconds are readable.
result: 10.46
